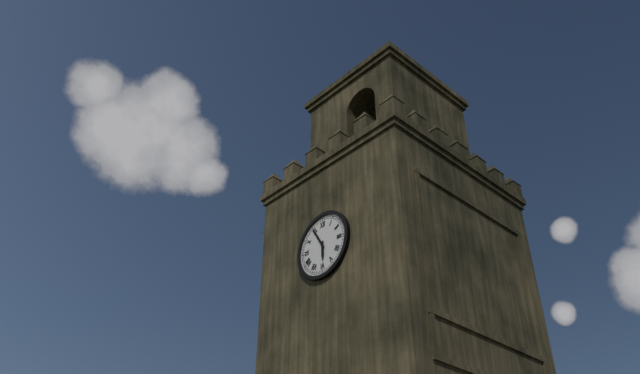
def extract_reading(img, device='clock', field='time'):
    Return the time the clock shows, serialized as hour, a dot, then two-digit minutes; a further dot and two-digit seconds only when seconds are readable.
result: 5.55
